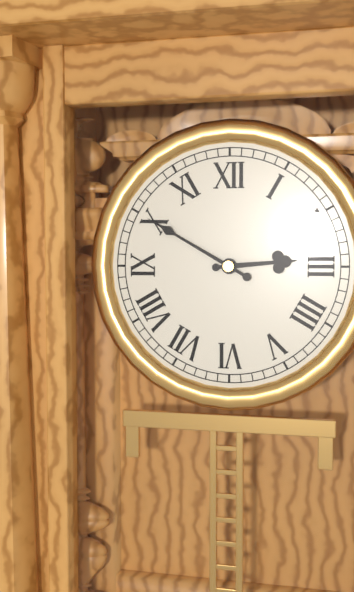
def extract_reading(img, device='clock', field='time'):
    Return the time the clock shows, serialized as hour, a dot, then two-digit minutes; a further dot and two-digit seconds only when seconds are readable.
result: 2.50
